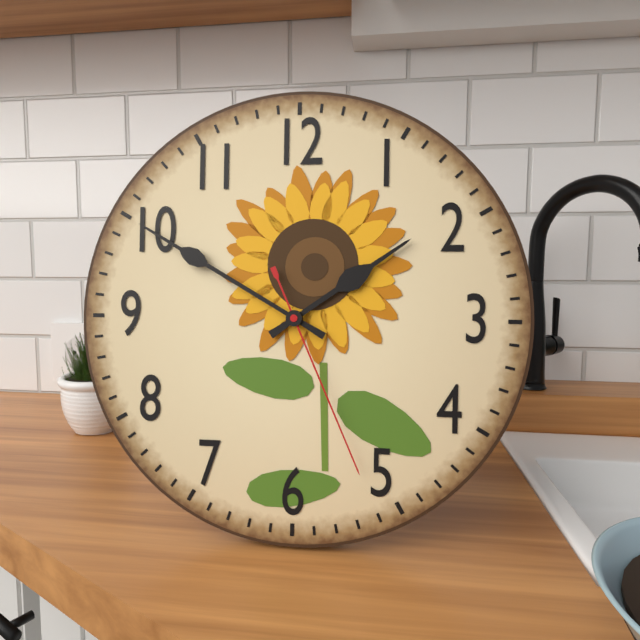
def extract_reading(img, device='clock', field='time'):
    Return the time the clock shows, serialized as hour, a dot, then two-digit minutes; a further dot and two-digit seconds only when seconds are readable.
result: 1.50.26
